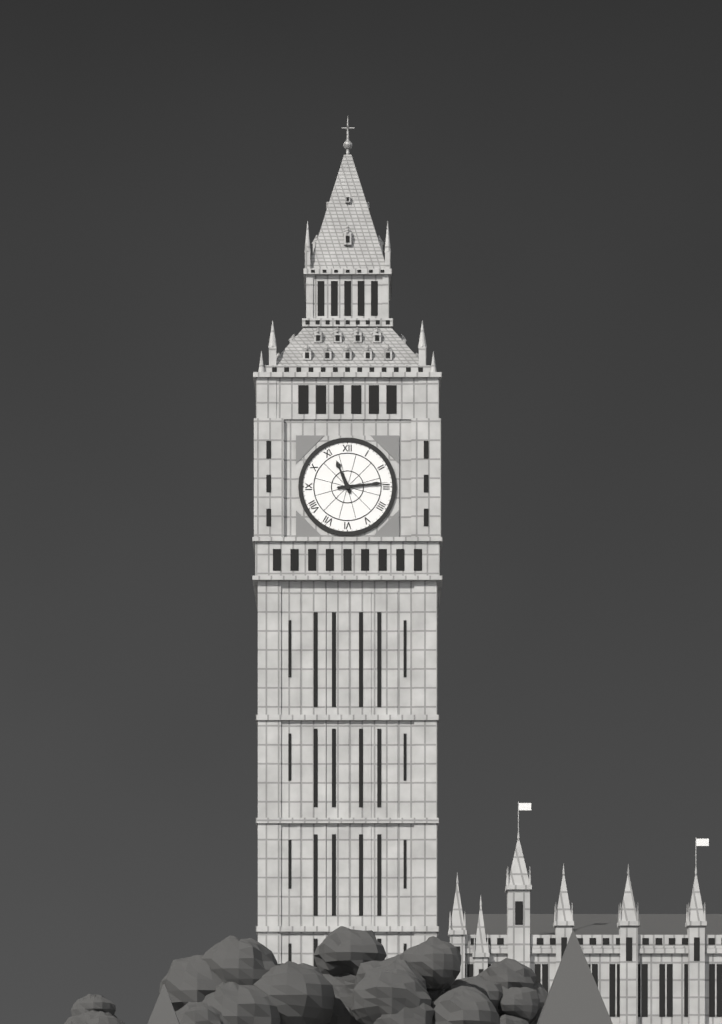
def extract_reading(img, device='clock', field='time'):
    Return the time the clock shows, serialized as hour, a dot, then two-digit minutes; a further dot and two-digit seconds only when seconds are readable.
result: 11.14
